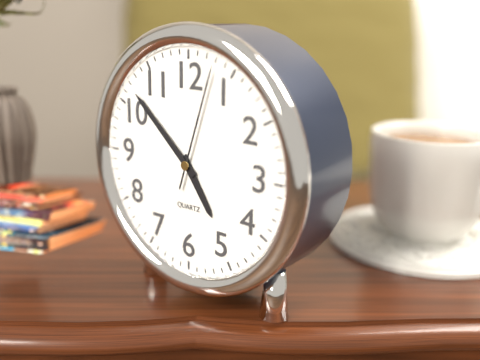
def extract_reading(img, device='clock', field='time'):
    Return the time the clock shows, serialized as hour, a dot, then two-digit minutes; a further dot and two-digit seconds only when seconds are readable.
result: 4.52.03
